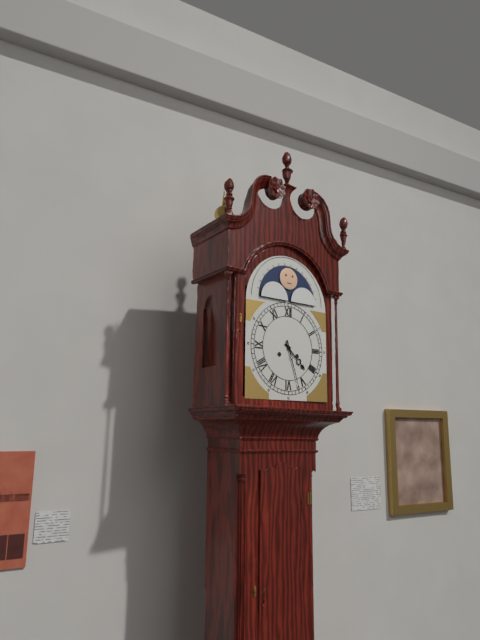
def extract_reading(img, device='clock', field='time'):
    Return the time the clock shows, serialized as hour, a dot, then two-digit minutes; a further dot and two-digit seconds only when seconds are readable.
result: 4.27
